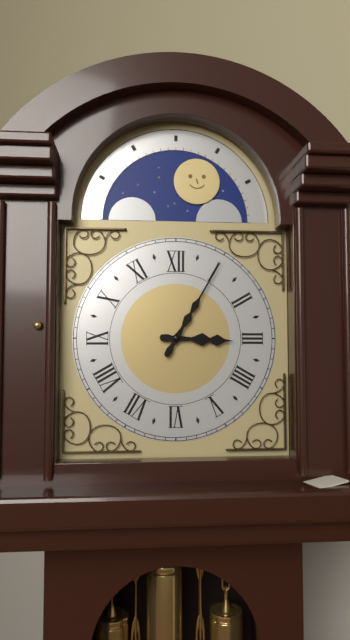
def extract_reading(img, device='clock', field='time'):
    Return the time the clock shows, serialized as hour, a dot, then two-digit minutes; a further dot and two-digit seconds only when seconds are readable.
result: 3.05
